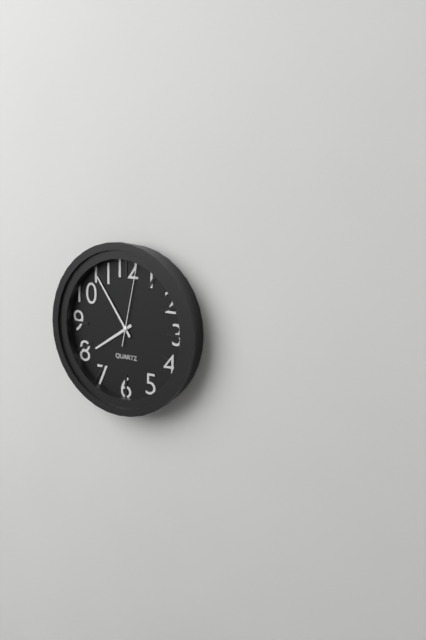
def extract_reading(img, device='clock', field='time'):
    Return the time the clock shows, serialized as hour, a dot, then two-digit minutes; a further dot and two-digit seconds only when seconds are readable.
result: 7.54.02
